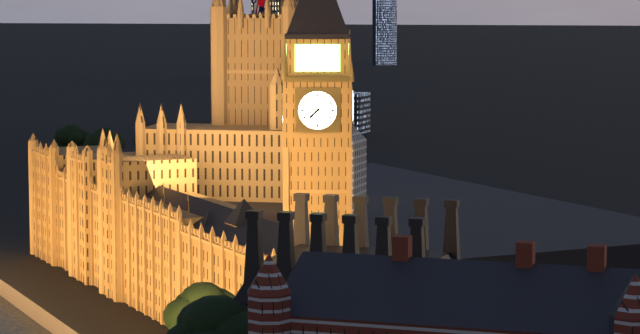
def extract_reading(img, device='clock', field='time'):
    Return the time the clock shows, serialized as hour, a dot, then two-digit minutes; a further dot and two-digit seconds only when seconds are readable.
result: 7.37
